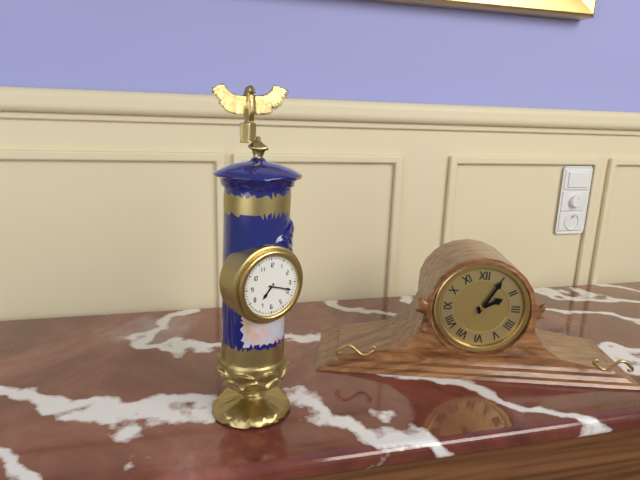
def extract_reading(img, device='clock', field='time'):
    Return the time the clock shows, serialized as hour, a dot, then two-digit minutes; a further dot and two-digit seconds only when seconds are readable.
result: 7.18
